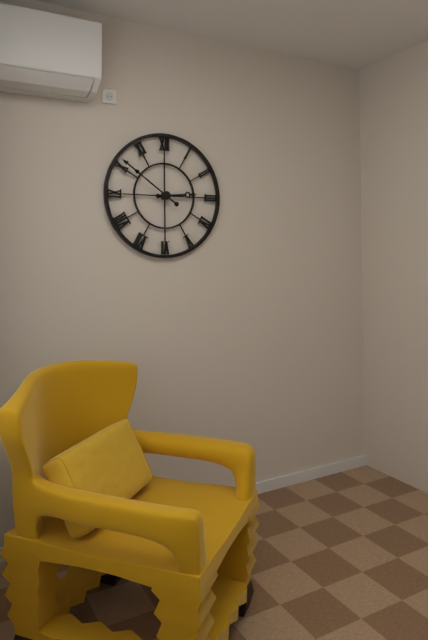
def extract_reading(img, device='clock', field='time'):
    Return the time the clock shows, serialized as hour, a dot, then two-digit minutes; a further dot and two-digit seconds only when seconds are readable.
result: 2.51
